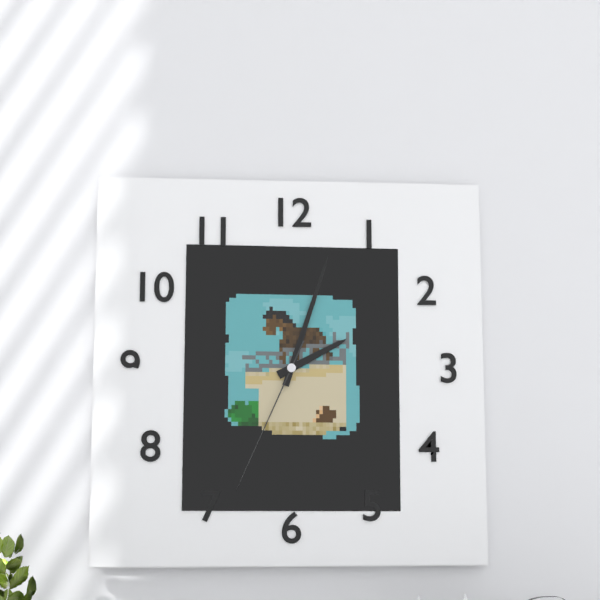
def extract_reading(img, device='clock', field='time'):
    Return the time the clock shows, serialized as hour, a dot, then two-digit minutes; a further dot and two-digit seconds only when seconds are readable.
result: 2.03.34
